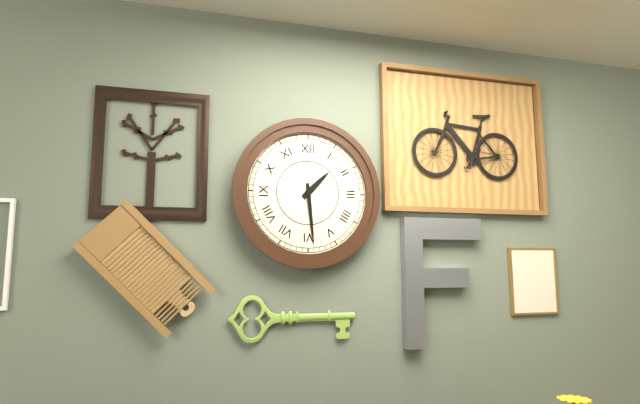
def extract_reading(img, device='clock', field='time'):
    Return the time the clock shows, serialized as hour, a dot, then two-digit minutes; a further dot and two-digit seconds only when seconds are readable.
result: 1.29
